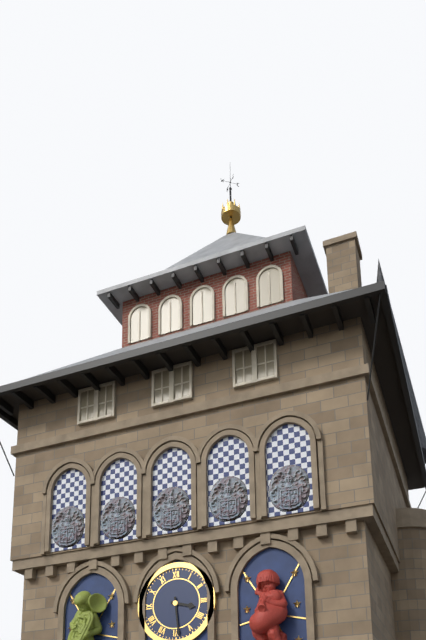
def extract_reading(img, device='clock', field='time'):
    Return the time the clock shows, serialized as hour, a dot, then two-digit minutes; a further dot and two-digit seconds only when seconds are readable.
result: 3.29
